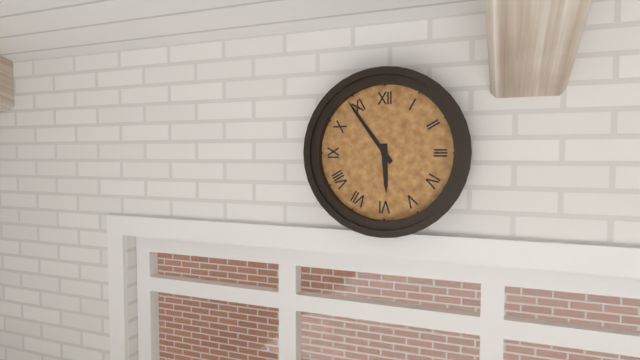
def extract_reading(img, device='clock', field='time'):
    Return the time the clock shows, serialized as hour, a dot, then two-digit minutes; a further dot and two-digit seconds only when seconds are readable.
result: 5.54
